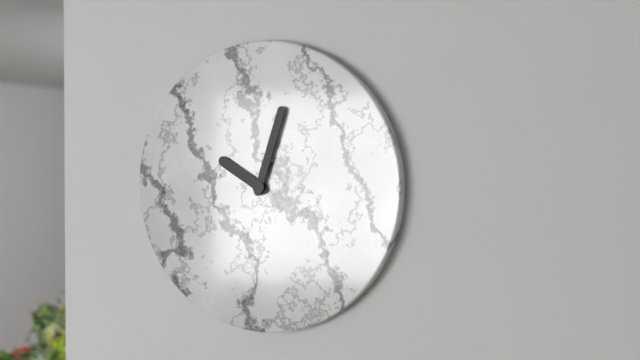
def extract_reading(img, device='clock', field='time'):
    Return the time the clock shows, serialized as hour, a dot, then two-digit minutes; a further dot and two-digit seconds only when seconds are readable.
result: 10.03
